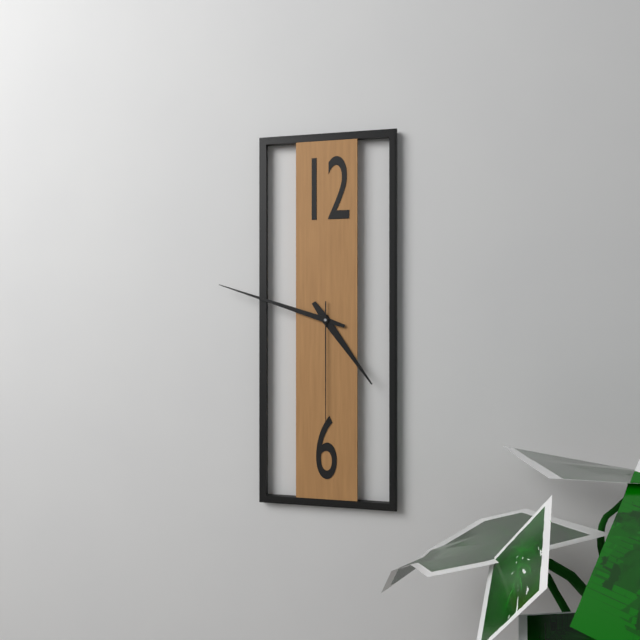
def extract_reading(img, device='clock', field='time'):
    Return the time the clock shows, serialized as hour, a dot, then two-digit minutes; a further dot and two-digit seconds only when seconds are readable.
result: 4.48.30
